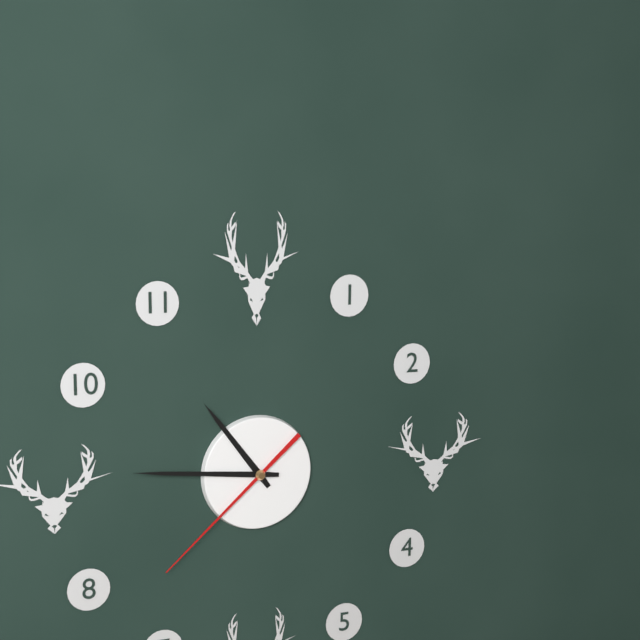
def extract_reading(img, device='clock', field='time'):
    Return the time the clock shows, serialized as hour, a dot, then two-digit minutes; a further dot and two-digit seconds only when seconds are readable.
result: 10.46.38
